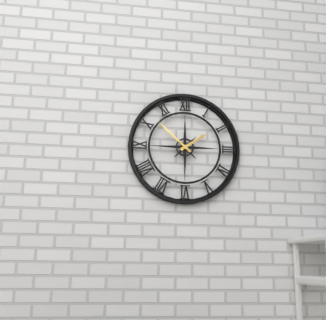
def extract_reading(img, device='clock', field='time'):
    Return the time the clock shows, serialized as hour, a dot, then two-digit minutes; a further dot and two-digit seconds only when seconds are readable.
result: 1.52
